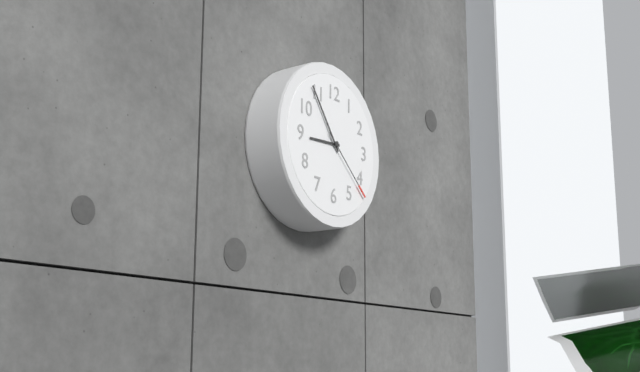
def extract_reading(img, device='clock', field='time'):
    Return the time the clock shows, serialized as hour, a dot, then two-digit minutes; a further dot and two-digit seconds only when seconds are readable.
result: 8.54.22
